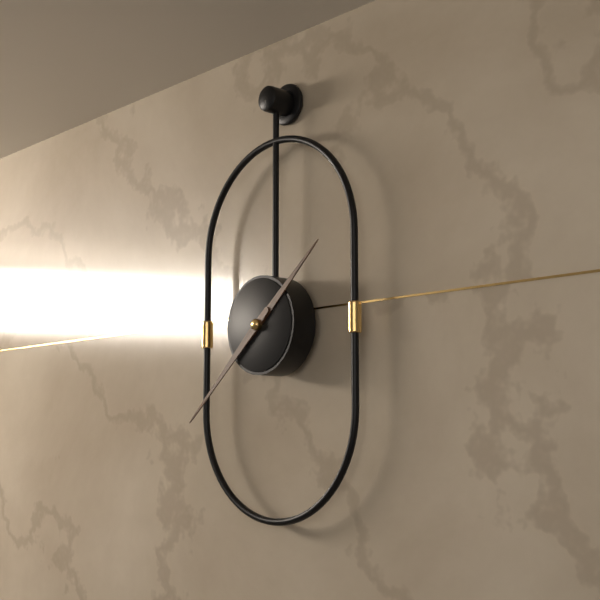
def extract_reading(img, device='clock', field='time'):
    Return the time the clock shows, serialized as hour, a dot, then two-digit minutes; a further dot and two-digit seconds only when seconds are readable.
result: 1.38
